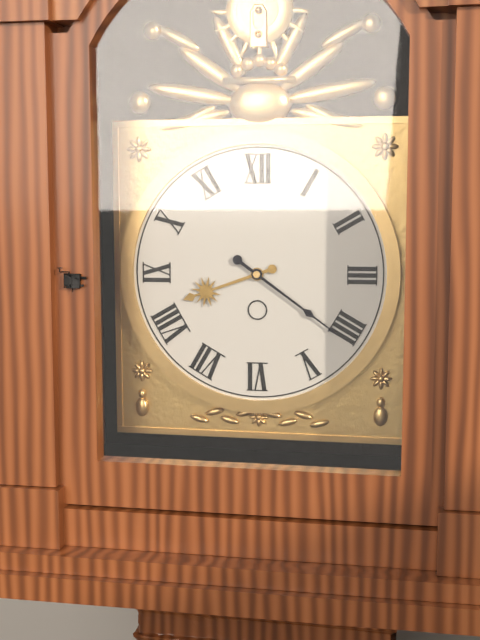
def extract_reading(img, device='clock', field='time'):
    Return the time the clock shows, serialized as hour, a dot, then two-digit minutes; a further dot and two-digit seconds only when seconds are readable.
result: 8.21
